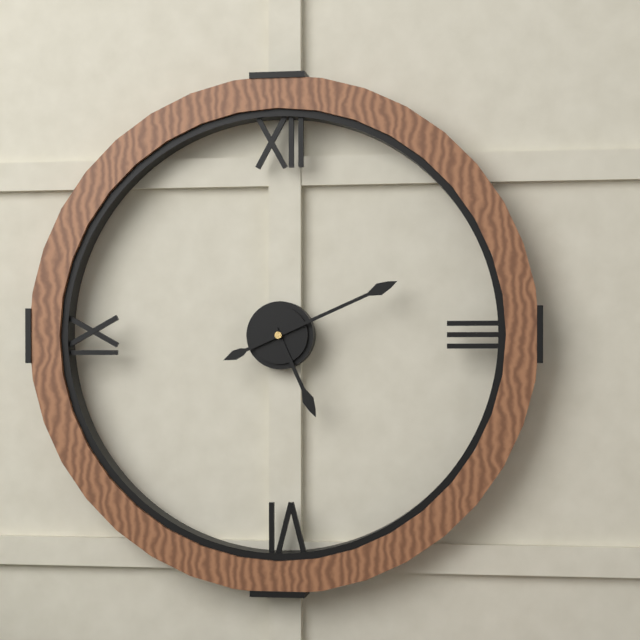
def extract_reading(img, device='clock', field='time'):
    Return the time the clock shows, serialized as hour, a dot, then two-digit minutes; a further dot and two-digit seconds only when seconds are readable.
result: 5.11
